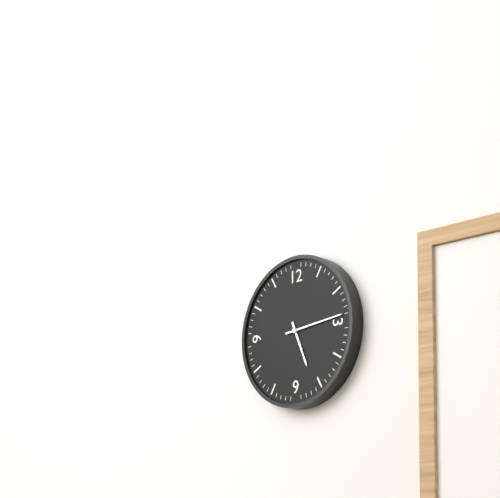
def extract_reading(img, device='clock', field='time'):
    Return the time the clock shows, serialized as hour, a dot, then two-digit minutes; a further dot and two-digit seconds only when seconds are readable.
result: 5.14
